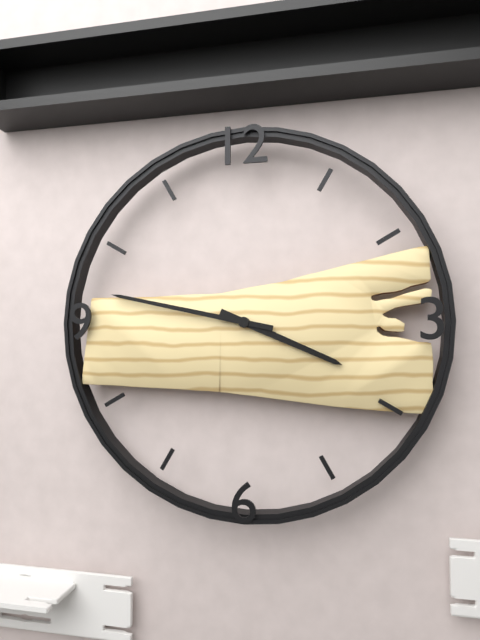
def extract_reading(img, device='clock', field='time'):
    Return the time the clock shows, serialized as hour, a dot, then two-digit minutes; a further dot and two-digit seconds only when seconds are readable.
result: 3.47
